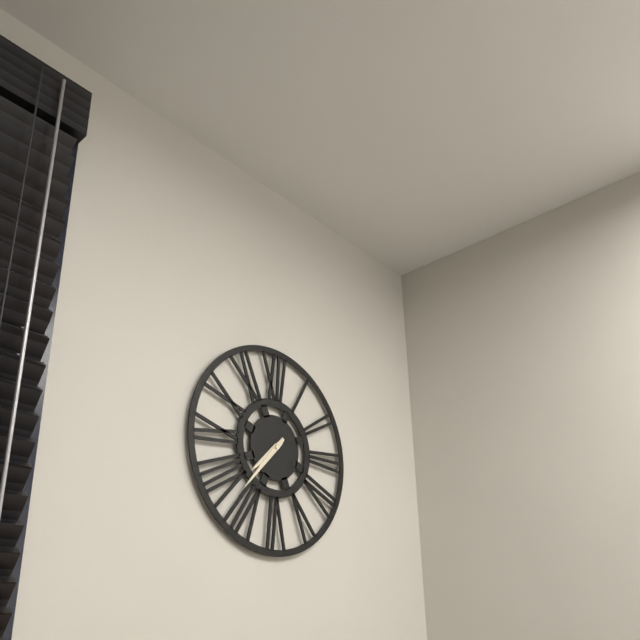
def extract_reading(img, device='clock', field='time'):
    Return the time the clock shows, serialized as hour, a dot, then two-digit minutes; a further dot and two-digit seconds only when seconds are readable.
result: 7.37
